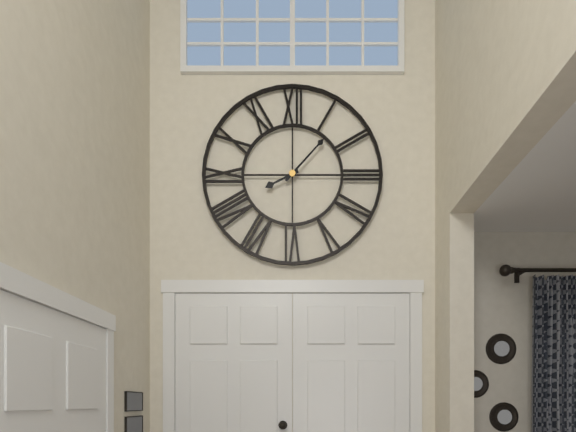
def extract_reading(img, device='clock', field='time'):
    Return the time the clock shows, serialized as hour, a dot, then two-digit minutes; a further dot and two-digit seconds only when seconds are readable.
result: 8.07
